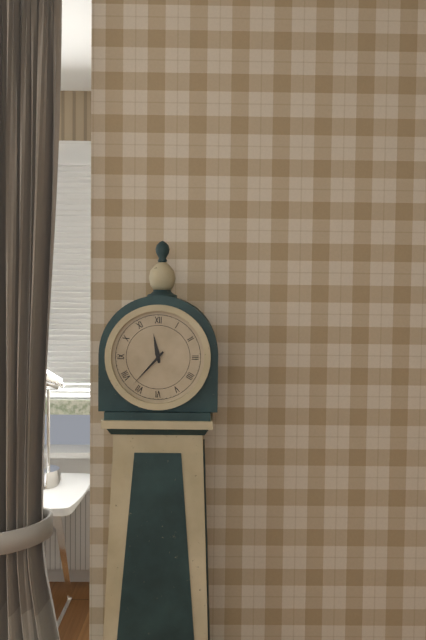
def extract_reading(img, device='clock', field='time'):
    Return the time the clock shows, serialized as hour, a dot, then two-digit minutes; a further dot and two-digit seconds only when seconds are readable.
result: 11.37
